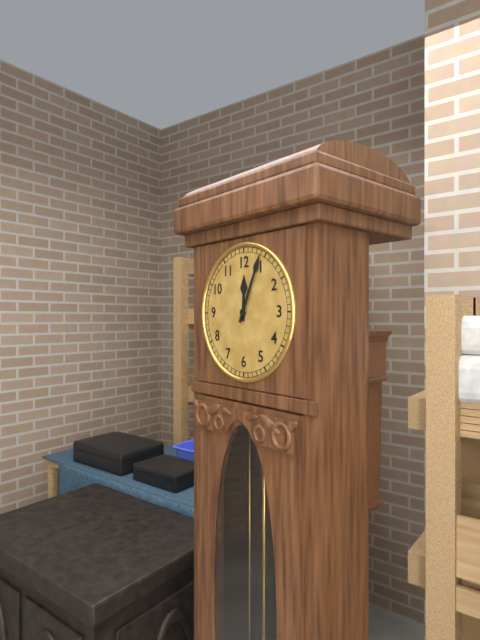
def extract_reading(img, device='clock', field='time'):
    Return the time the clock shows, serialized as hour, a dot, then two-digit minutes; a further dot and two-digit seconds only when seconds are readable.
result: 12.04
